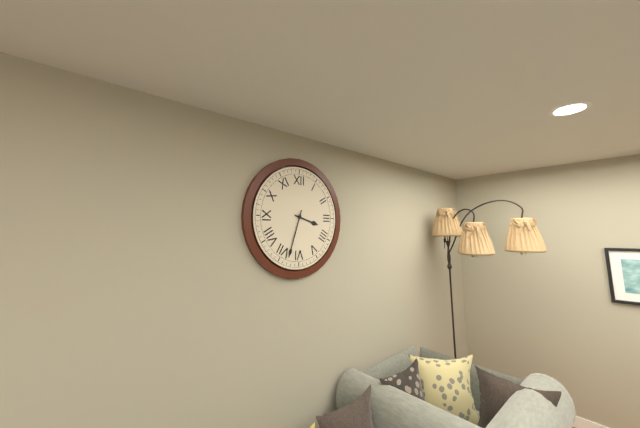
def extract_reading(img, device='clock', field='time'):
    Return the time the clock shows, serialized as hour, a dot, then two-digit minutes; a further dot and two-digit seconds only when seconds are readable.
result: 3.33
